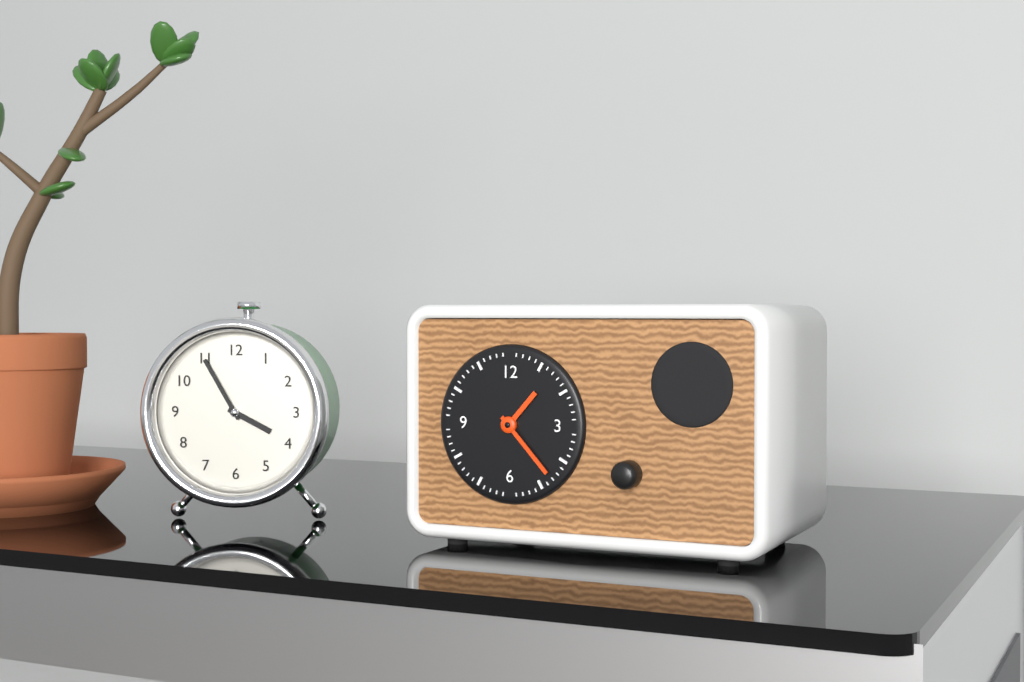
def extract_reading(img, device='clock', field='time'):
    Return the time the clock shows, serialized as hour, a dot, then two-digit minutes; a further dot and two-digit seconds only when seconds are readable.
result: 1.23
